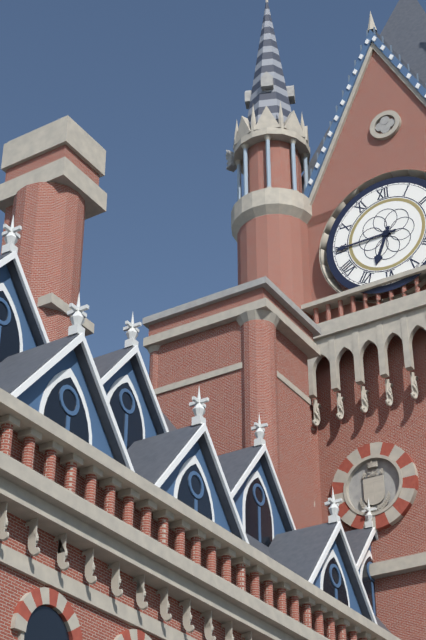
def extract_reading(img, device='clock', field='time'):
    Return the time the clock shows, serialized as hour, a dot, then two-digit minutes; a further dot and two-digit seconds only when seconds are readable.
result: 6.45
